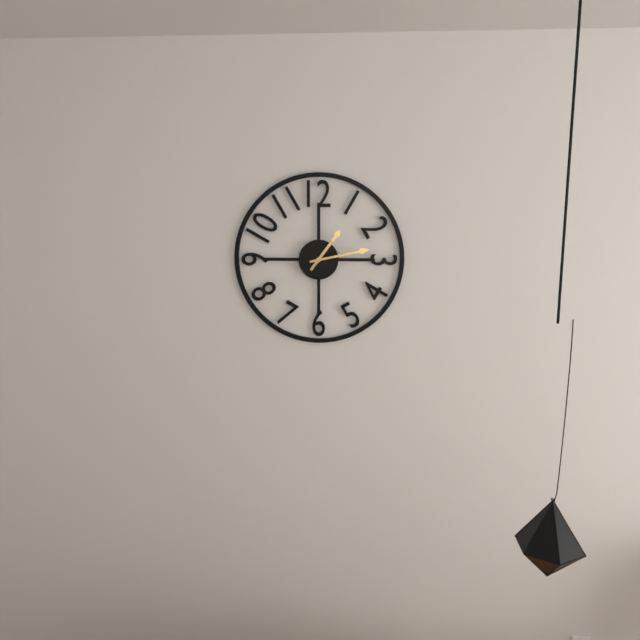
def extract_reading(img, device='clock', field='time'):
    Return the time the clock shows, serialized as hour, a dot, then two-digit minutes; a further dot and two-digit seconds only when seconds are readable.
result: 1.13
